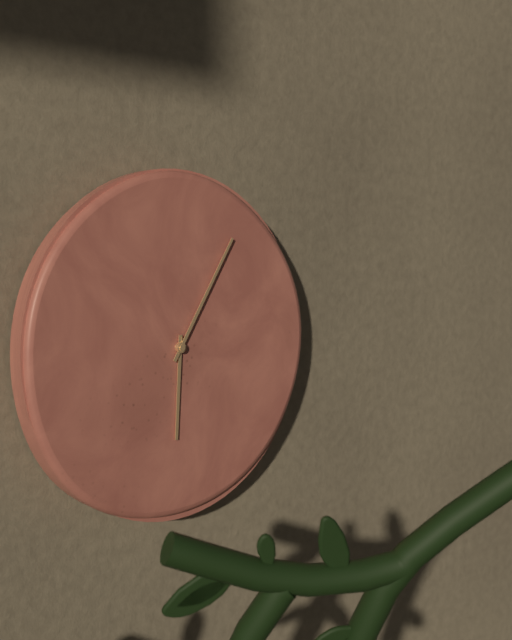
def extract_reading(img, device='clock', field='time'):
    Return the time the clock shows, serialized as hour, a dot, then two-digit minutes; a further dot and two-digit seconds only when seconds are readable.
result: 6.05
